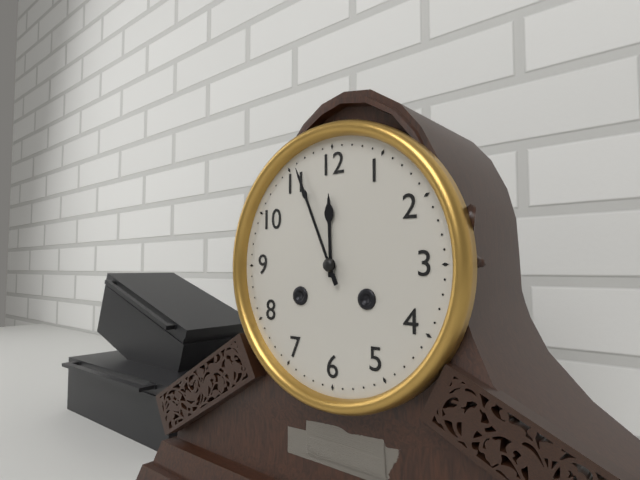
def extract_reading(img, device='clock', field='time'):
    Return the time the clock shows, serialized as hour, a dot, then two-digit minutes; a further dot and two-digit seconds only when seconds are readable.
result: 11.56
